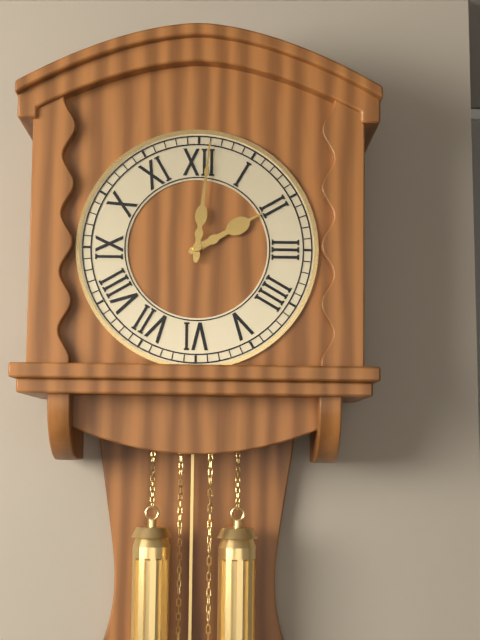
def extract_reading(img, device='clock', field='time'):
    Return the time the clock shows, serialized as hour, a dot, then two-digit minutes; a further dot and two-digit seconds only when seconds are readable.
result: 2.01
